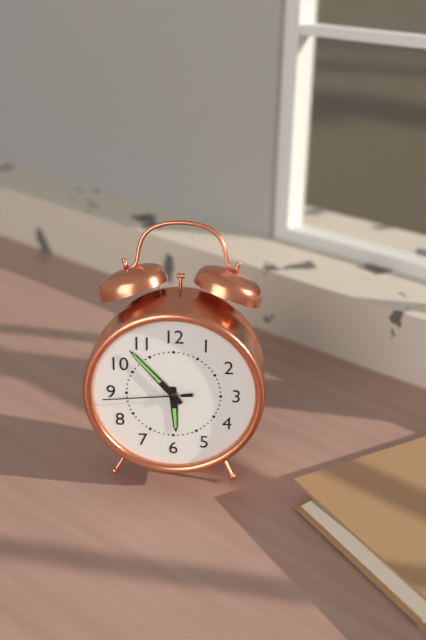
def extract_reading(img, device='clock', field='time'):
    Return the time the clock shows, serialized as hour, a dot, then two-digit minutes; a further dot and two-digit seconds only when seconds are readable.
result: 5.53.44
